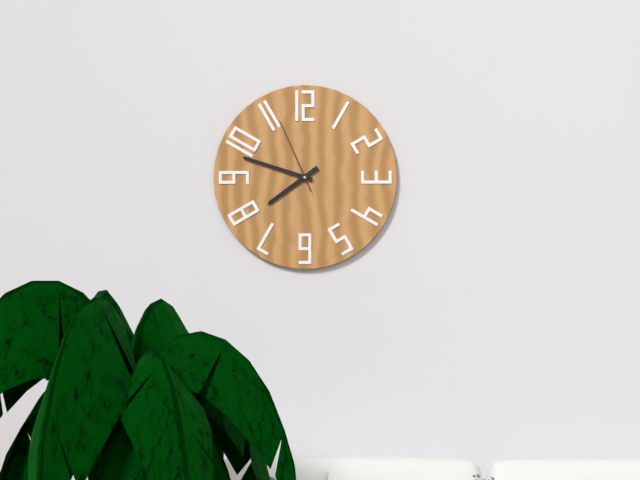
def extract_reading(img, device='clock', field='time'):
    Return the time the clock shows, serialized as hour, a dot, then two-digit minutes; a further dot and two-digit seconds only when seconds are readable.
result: 7.48.56
